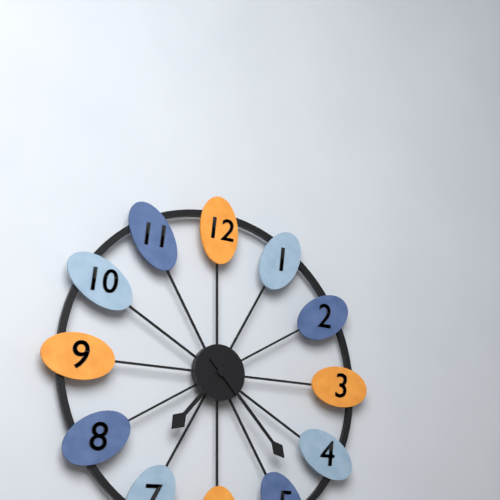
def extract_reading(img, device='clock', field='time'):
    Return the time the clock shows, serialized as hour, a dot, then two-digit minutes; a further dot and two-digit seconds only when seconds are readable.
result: 7.23
